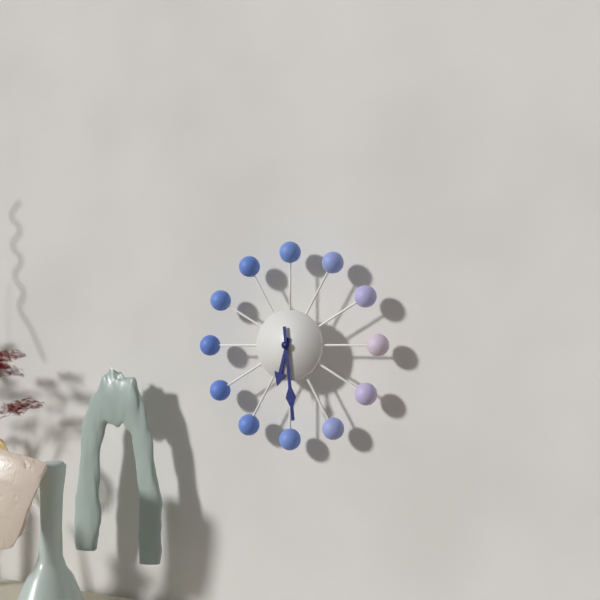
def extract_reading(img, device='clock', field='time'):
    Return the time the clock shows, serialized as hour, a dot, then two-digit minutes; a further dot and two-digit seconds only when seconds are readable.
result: 6.29
